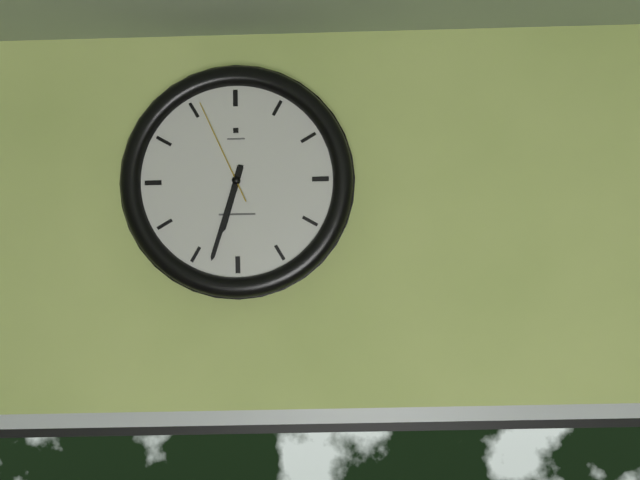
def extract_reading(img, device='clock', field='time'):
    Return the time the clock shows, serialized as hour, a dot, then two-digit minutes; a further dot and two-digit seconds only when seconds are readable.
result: 6.33.56
